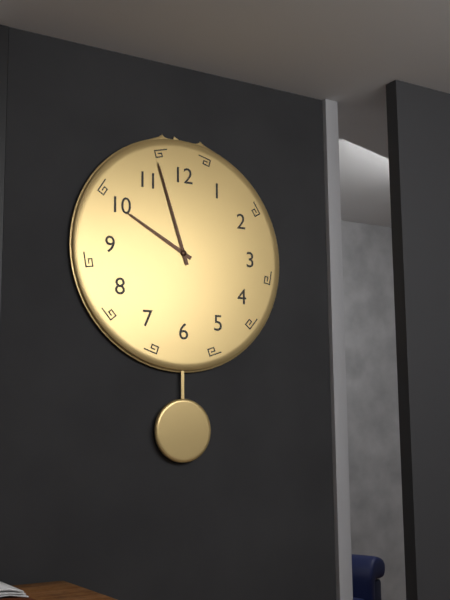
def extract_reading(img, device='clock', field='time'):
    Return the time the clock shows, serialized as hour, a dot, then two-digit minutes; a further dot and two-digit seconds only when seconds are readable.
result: 9.57
